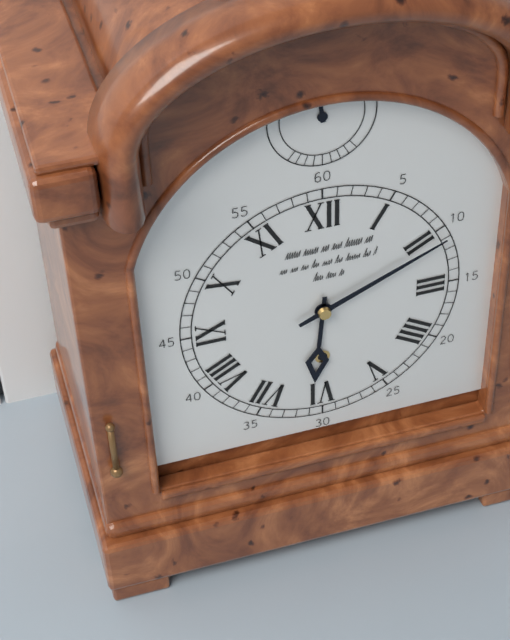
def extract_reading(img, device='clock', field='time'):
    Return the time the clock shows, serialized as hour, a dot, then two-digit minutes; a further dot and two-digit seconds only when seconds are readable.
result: 6.11
